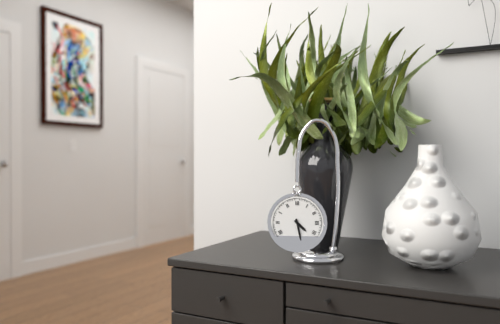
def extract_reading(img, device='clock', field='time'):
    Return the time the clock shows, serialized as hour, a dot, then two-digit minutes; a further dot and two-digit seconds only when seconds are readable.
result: 4.28
